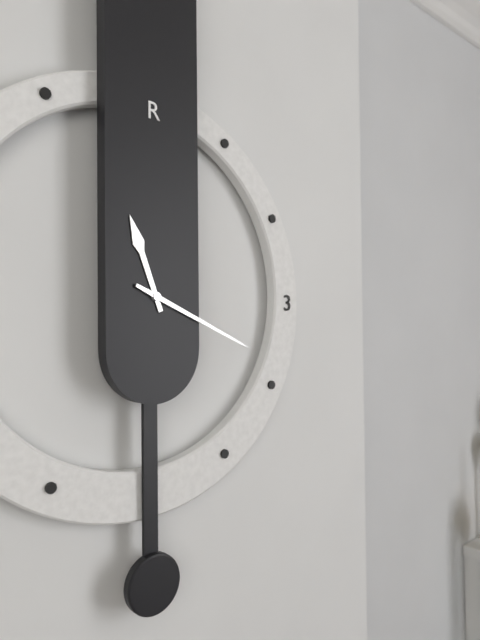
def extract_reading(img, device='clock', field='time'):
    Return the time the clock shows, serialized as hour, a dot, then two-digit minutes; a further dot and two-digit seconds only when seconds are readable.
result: 11.19
